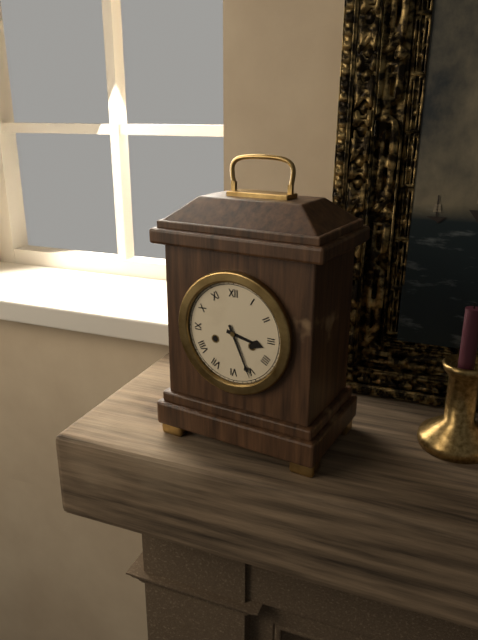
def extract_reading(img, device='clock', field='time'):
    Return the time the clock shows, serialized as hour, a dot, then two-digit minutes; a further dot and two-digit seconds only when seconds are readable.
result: 3.26
